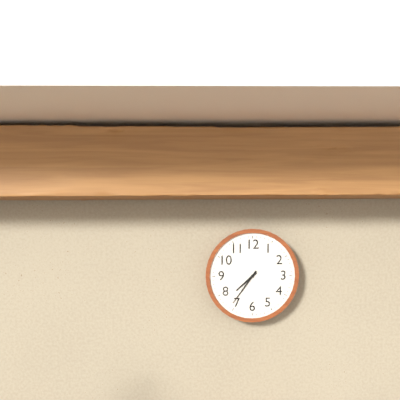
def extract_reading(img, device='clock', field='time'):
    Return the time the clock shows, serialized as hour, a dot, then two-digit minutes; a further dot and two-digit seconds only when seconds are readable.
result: 7.36
